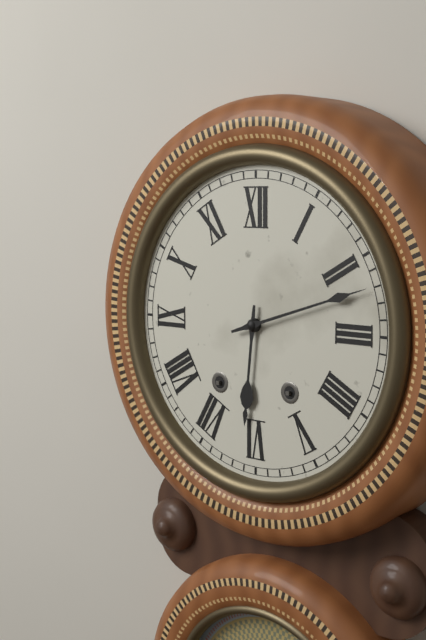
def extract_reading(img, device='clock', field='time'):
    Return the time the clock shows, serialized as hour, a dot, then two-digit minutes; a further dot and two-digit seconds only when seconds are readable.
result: 6.12
